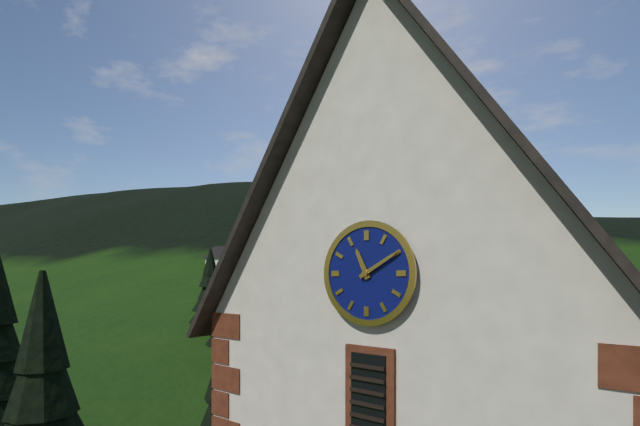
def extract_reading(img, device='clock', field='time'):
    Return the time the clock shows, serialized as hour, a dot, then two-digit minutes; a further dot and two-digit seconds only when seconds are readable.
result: 11.10
